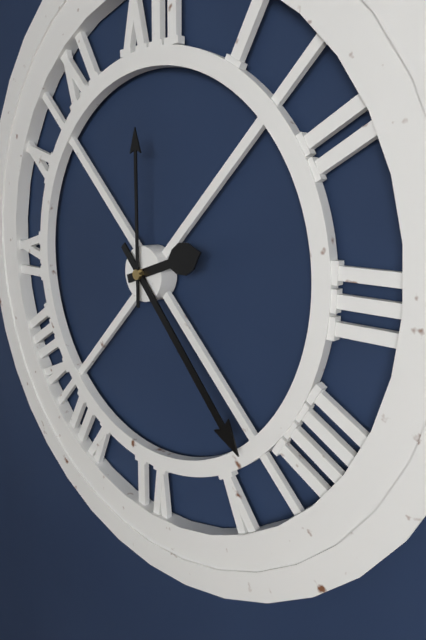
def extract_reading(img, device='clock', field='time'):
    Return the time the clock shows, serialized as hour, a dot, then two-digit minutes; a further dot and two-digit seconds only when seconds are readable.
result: 2.23.00
